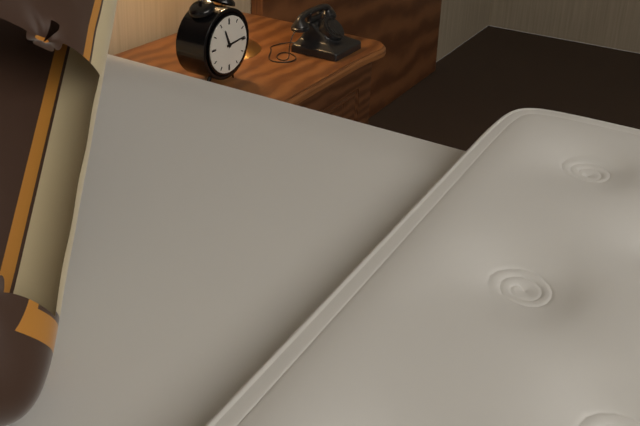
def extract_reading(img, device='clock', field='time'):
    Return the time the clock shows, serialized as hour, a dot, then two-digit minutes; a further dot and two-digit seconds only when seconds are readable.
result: 11.14
